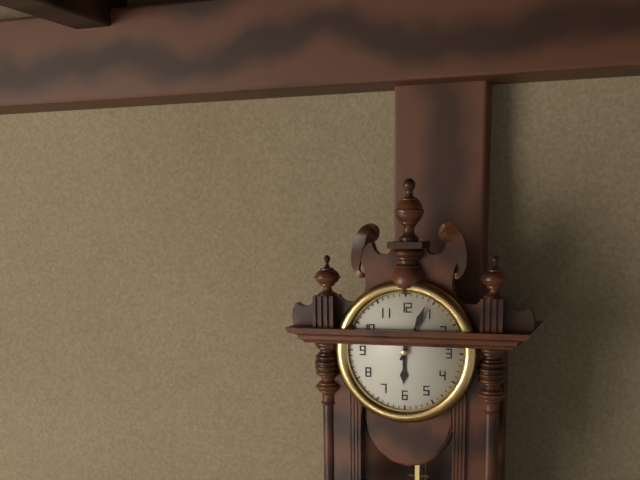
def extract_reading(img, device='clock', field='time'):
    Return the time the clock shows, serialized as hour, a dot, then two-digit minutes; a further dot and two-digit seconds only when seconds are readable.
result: 6.04
